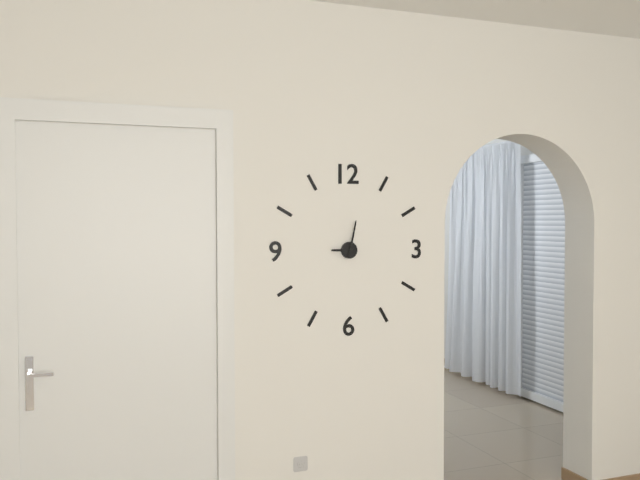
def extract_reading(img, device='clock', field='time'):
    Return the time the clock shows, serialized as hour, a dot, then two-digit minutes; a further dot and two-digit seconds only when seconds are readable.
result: 9.02
